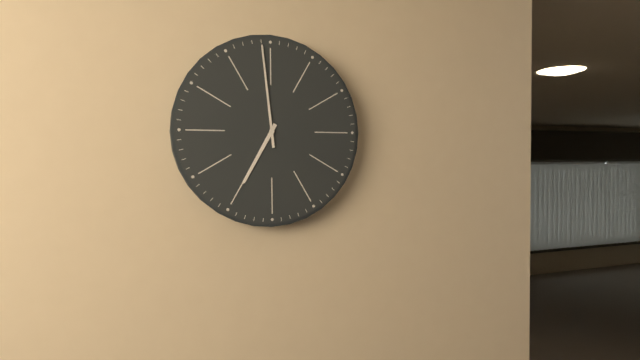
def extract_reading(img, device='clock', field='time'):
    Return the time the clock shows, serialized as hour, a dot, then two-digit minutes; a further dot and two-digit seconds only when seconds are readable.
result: 6.59
